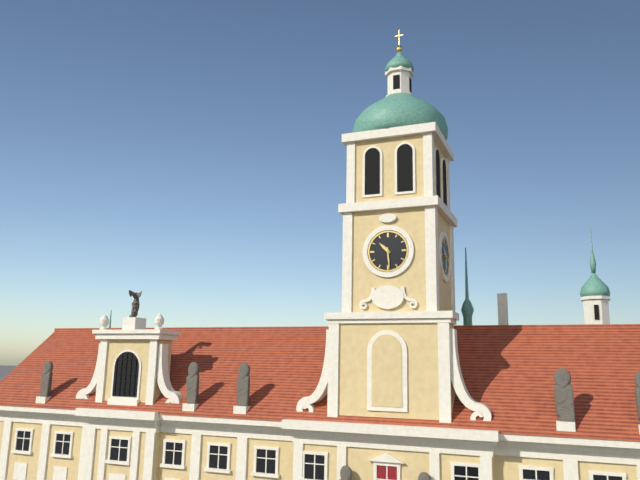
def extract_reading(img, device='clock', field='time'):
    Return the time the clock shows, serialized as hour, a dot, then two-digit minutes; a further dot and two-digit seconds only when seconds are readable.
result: 10.29
